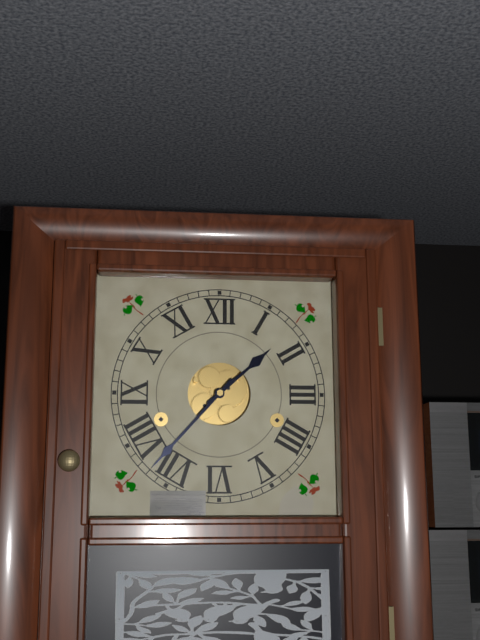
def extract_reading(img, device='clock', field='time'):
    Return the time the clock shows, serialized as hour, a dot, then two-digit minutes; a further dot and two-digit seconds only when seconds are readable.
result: 1.37
